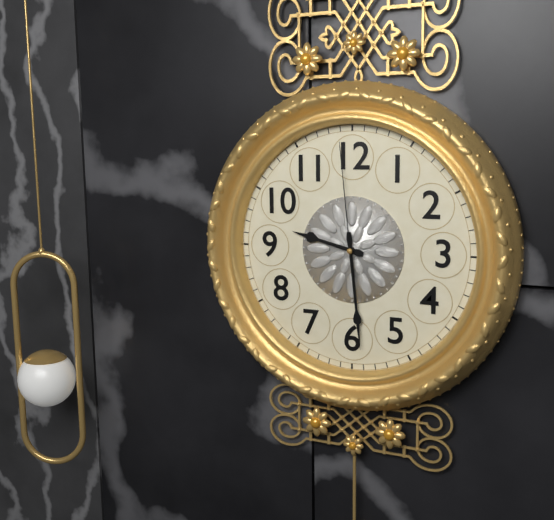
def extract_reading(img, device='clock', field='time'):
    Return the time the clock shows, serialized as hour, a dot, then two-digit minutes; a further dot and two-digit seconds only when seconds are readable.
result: 9.29.59
